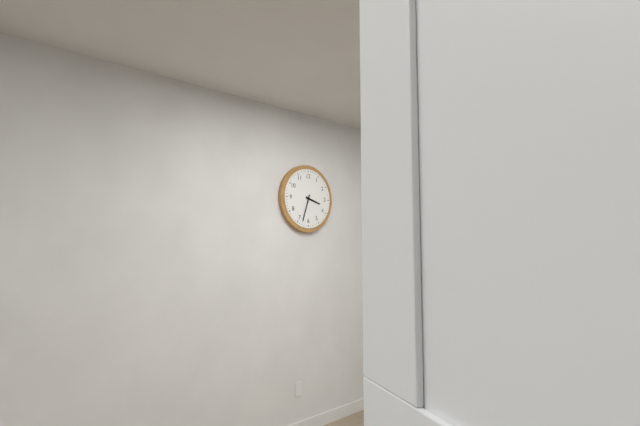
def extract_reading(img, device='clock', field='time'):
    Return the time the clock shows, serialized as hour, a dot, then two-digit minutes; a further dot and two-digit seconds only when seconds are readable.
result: 3.33
